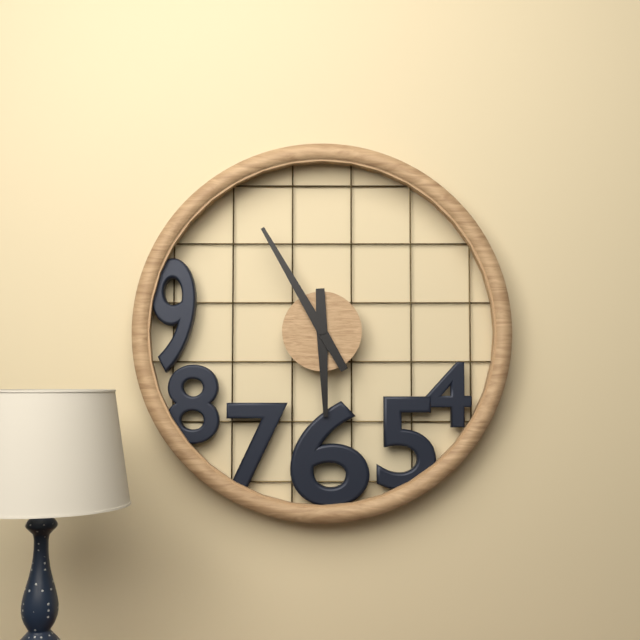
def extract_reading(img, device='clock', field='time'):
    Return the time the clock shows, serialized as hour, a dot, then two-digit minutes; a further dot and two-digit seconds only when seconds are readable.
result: 5.55
